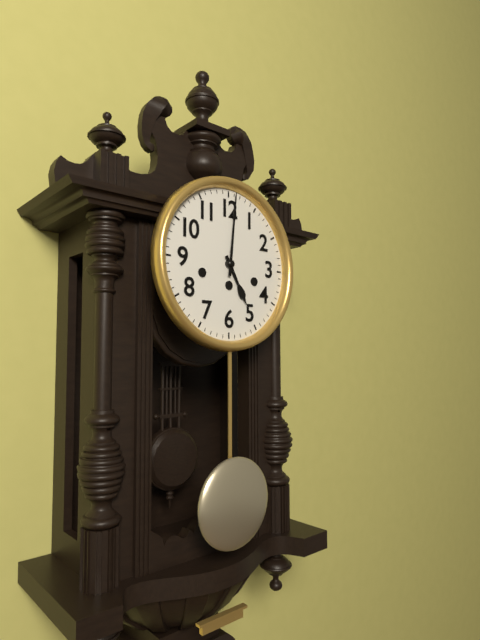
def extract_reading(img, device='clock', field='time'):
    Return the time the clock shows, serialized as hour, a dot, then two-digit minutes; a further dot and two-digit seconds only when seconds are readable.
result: 5.01
